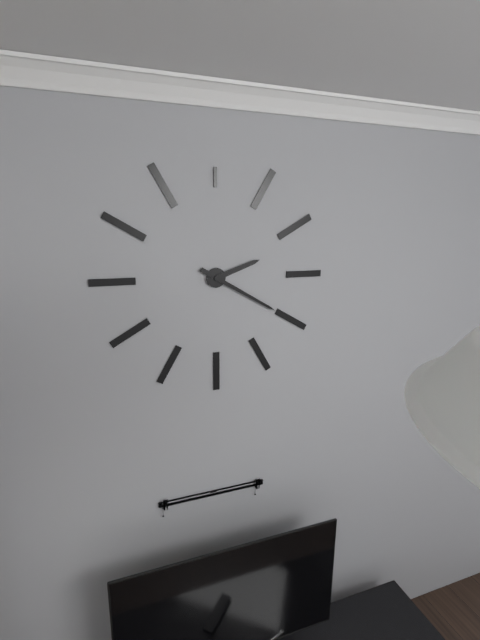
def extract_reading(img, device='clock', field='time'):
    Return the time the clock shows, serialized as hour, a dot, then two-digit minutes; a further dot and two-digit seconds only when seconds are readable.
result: 2.20
